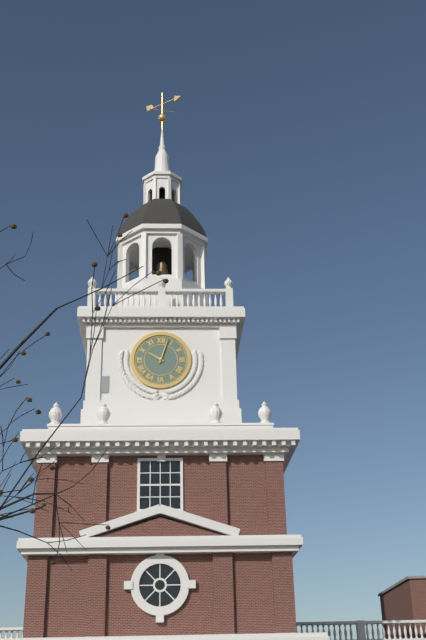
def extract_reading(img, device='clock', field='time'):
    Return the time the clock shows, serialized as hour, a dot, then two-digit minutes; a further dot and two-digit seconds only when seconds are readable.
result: 10.03
